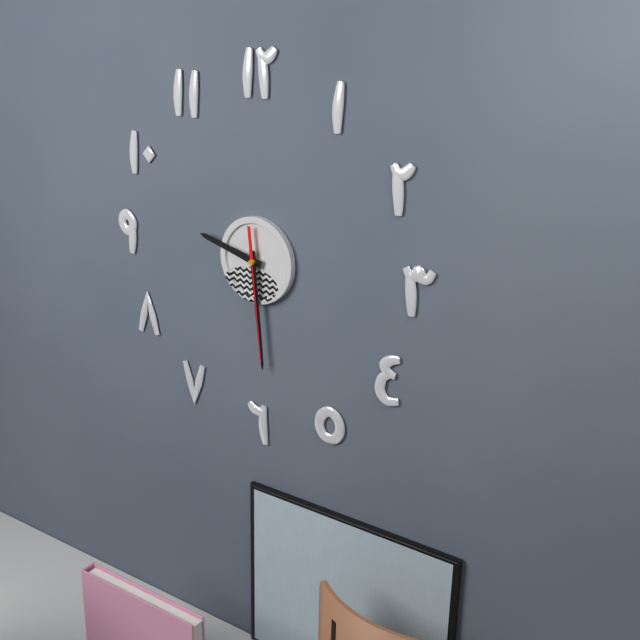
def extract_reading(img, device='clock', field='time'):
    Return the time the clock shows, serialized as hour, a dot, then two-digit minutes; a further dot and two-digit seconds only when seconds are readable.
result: 9.29.29
